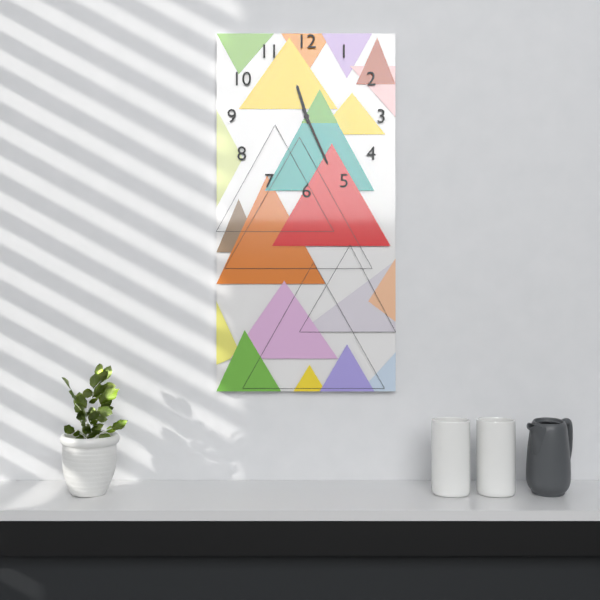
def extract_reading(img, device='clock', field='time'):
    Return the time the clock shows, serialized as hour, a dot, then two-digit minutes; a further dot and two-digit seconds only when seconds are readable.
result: 11.26
